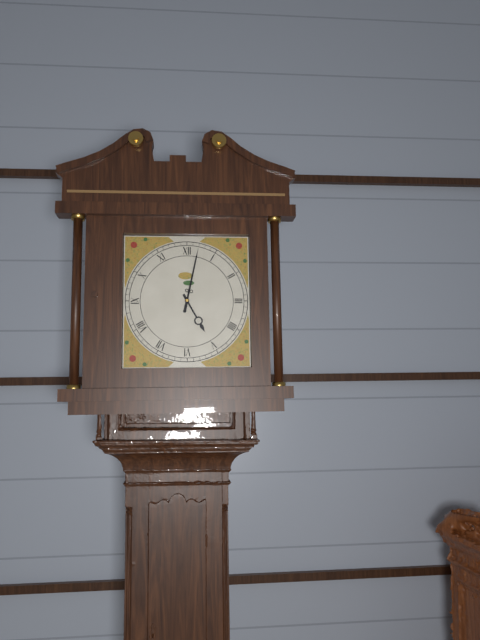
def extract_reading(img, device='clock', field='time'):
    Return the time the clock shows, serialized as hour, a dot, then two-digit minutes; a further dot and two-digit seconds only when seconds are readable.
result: 5.02
